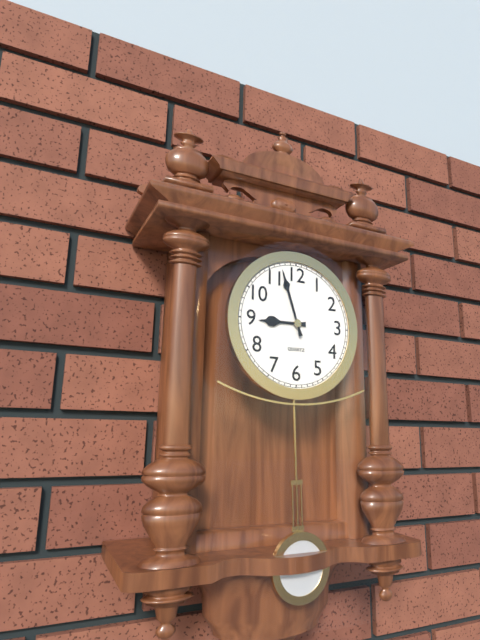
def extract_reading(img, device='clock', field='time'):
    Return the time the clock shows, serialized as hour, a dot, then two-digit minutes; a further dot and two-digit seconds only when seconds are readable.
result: 8.57
